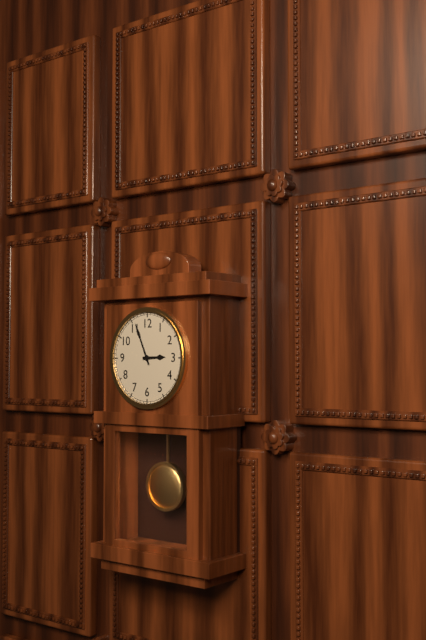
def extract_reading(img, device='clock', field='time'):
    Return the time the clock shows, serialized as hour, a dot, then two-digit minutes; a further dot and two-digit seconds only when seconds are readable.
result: 2.56
